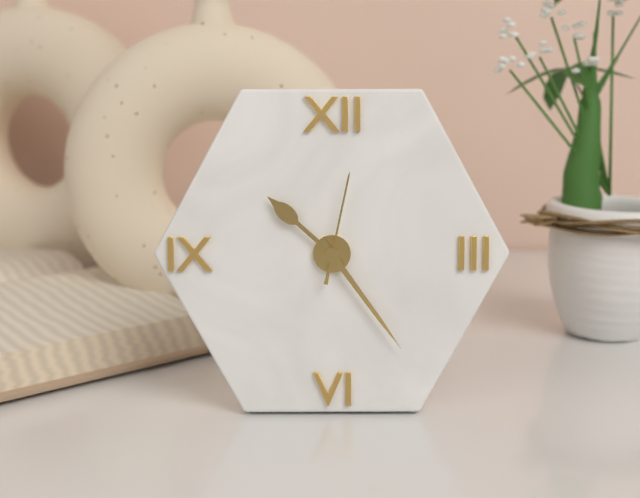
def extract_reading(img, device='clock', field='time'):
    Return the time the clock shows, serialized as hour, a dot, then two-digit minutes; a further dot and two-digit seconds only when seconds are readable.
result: 10.24.02
